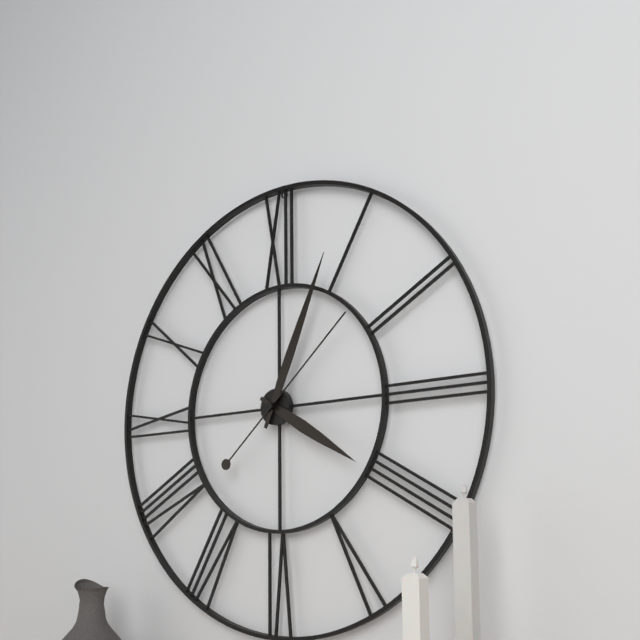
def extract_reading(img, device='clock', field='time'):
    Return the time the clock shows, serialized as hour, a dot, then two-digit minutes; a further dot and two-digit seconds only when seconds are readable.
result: 4.04.08
